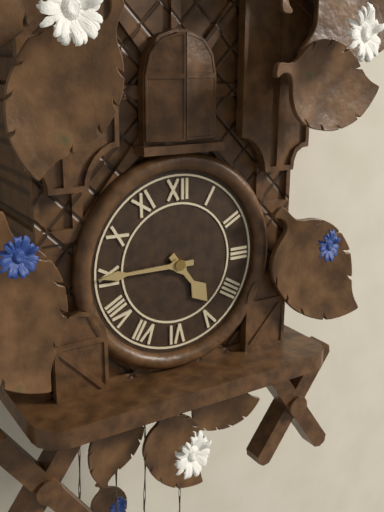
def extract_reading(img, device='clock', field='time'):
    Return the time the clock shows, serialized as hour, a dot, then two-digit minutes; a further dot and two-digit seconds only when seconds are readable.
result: 4.45
